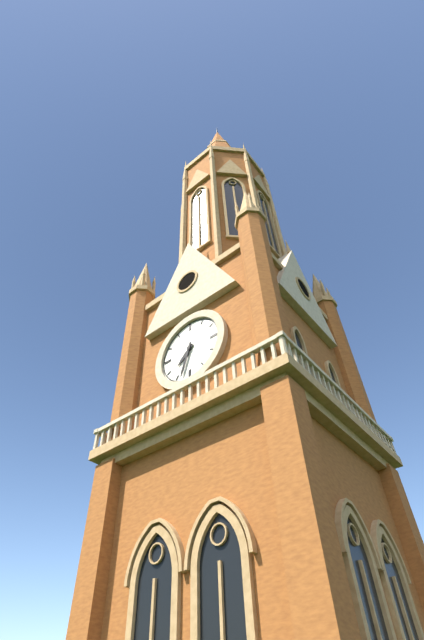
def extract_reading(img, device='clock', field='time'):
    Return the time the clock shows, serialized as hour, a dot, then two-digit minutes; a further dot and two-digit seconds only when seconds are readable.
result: 7.33
